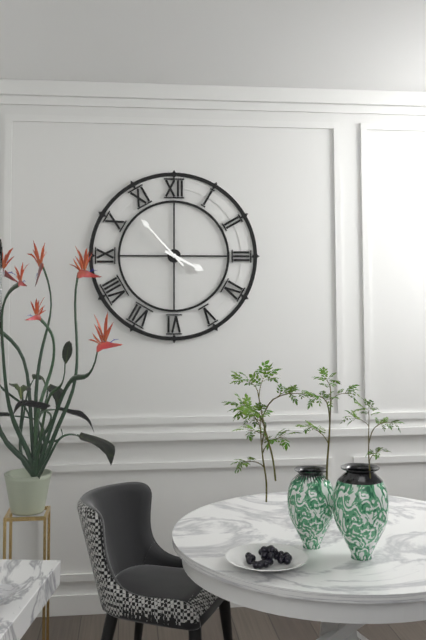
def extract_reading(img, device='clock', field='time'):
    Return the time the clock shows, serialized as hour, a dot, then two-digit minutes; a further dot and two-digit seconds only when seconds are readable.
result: 3.53
